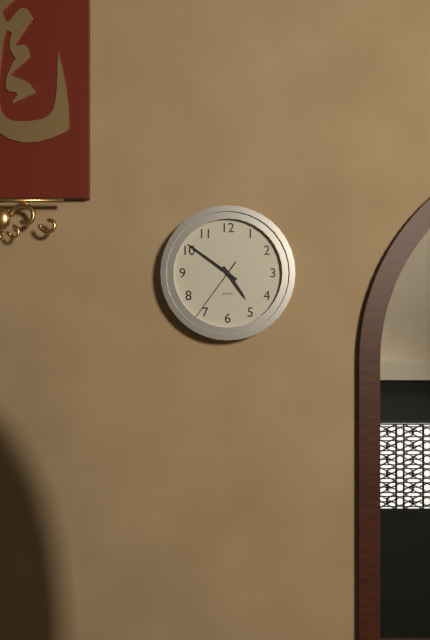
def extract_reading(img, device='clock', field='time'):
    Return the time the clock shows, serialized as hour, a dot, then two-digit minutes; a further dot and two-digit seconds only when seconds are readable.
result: 4.51.36
